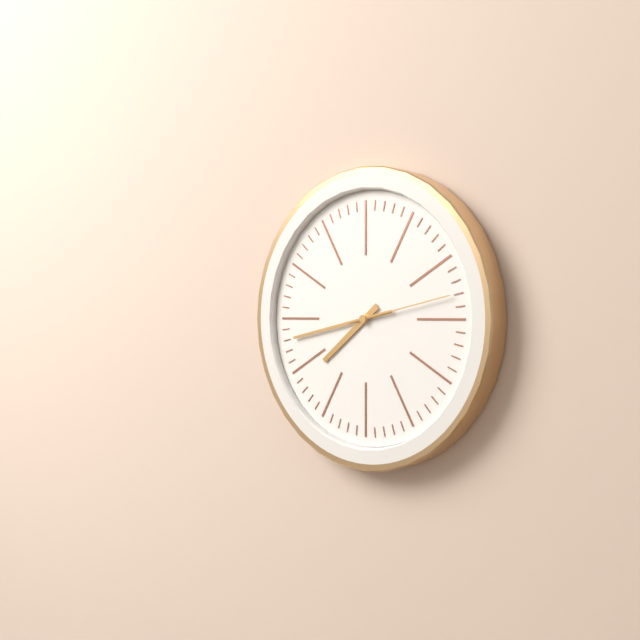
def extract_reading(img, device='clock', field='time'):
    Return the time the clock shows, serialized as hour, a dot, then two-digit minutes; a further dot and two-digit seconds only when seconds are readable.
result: 7.43.13
